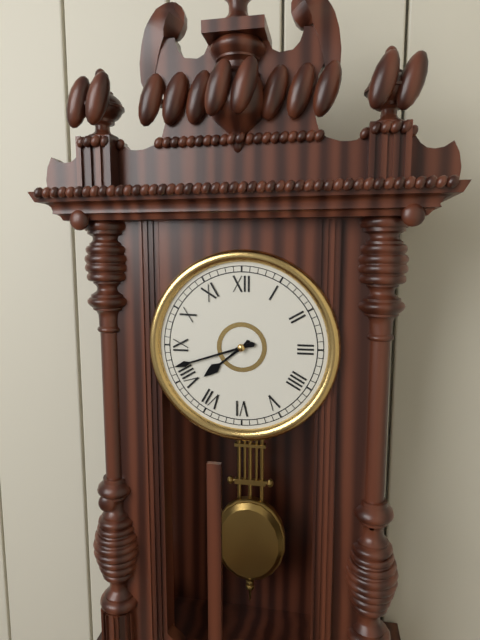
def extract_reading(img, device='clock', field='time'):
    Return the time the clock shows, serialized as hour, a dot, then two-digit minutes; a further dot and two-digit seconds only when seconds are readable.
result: 7.42
